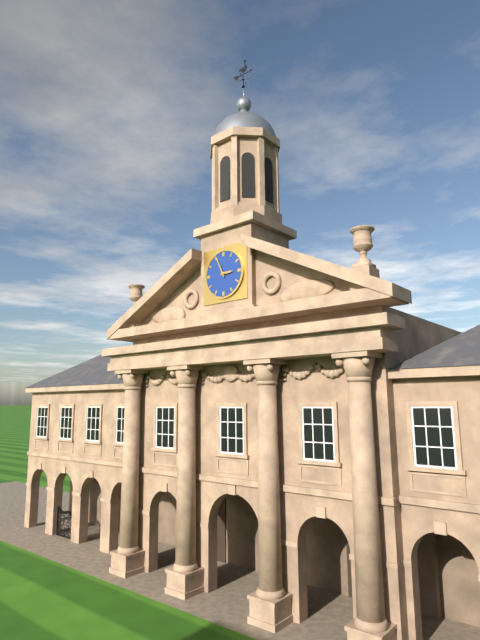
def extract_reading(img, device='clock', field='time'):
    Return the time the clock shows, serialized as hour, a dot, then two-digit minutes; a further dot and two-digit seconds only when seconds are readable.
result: 2.56
